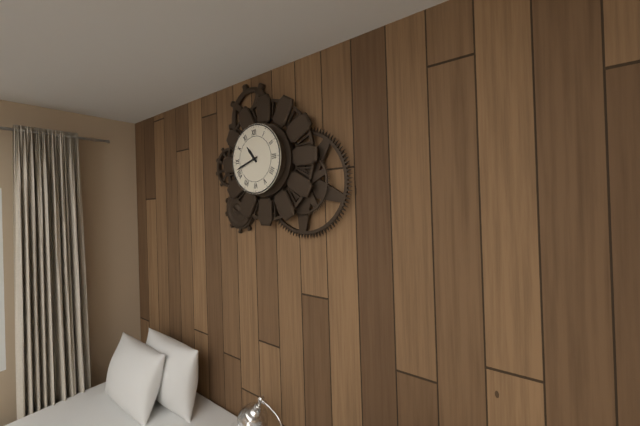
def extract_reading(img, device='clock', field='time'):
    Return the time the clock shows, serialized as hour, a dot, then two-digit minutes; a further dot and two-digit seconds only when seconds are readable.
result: 10.42
